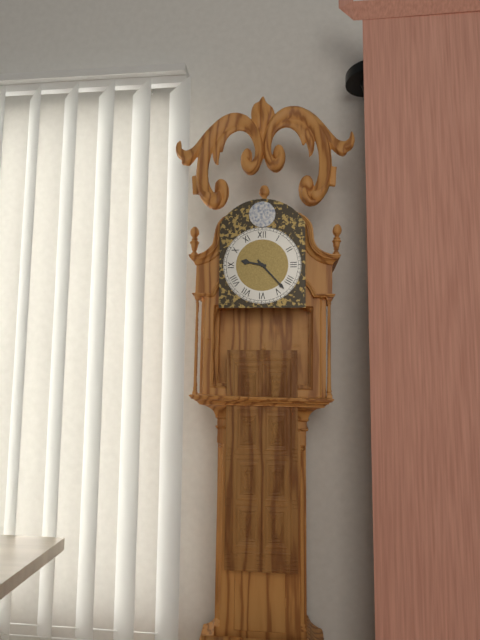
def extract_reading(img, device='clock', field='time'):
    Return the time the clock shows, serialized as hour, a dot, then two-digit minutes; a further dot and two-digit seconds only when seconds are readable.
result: 9.23
